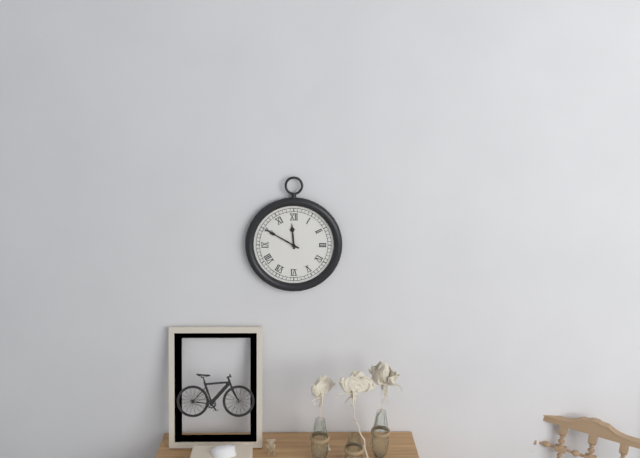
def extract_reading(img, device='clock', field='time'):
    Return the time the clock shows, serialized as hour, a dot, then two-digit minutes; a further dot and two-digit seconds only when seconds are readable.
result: 11.50
